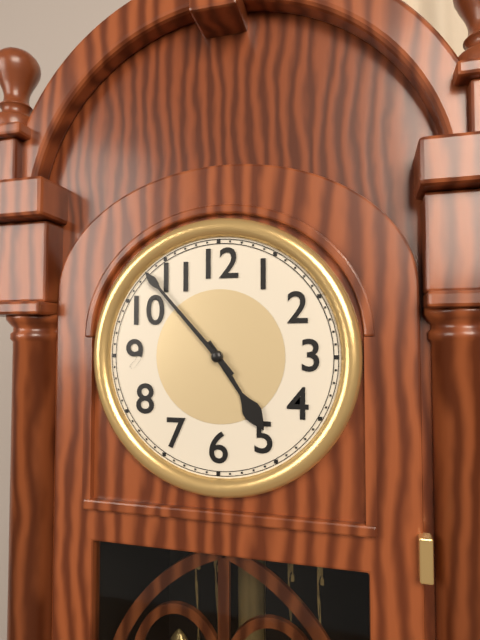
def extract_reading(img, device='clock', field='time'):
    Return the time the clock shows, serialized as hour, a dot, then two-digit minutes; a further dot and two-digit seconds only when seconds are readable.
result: 4.53
